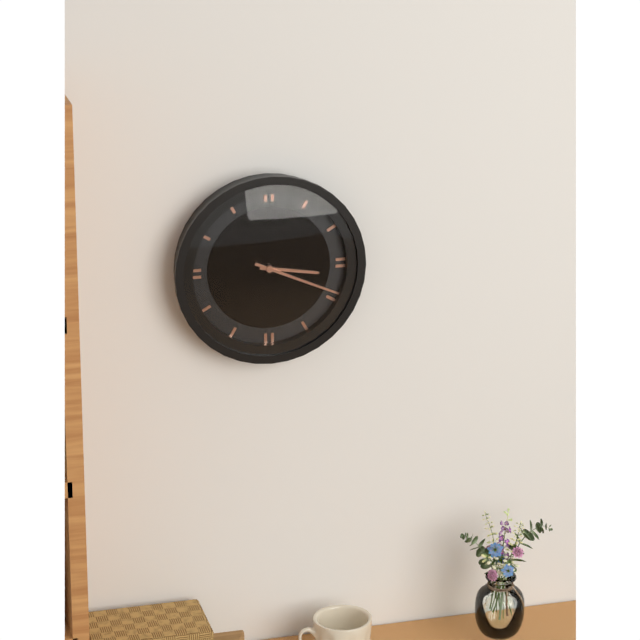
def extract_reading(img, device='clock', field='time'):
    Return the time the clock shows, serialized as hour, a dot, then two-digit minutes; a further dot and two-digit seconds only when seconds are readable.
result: 3.19
